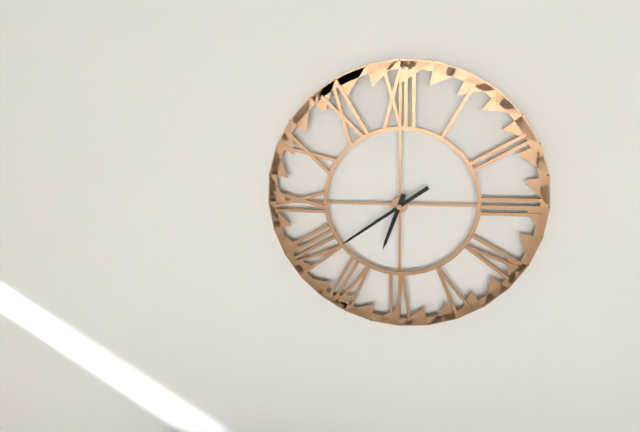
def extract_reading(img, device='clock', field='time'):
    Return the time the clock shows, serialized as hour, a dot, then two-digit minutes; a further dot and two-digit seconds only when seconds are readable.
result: 6.39
